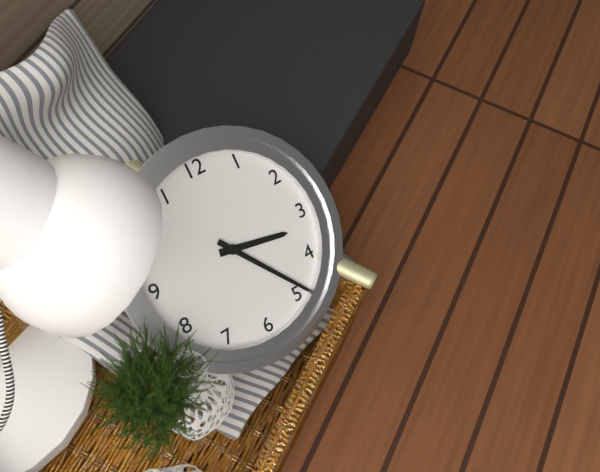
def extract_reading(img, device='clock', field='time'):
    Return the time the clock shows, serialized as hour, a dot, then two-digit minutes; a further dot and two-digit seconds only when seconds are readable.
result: 3.24
